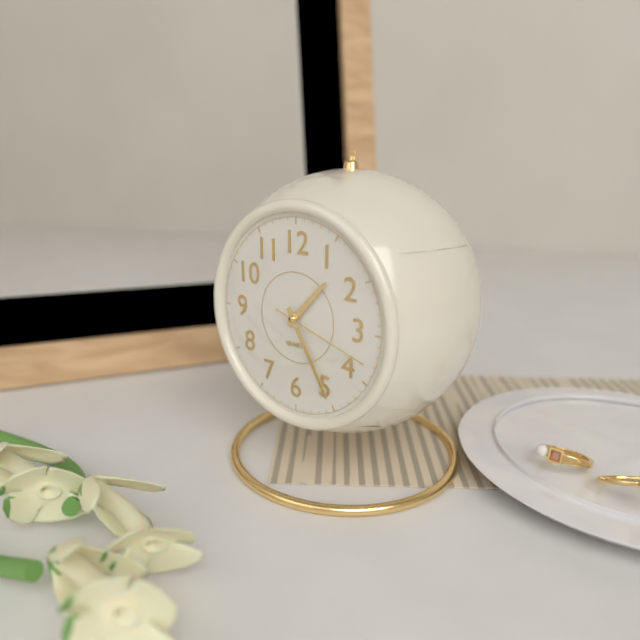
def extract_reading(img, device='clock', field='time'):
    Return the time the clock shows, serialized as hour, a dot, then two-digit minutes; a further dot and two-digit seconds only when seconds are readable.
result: 1.25.18
